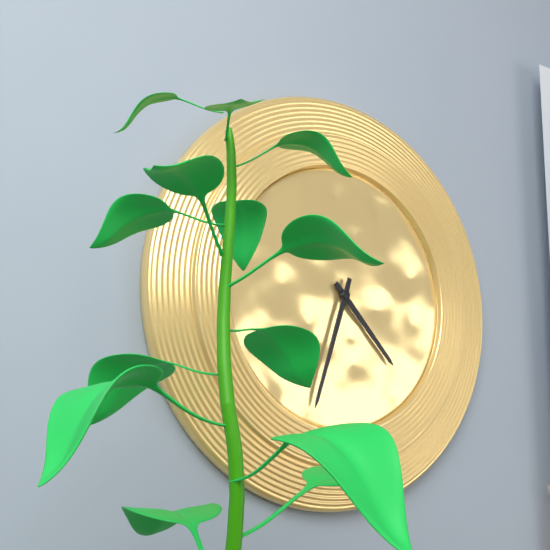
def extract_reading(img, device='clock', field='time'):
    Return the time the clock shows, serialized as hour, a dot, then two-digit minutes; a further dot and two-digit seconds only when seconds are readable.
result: 4.33
